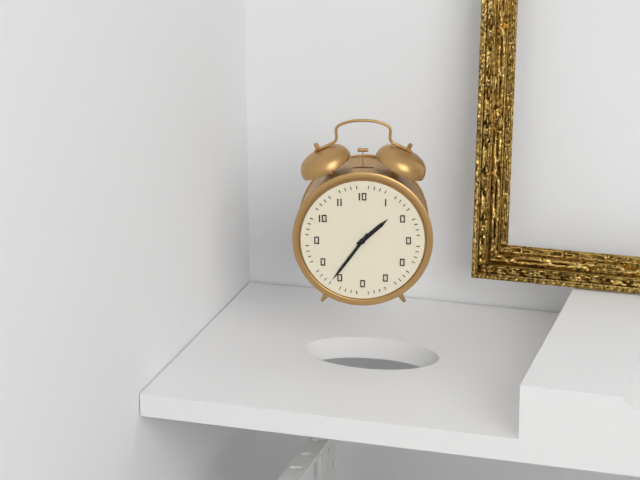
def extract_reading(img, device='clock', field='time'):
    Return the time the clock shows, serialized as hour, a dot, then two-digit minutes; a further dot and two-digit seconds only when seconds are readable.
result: 1.36
